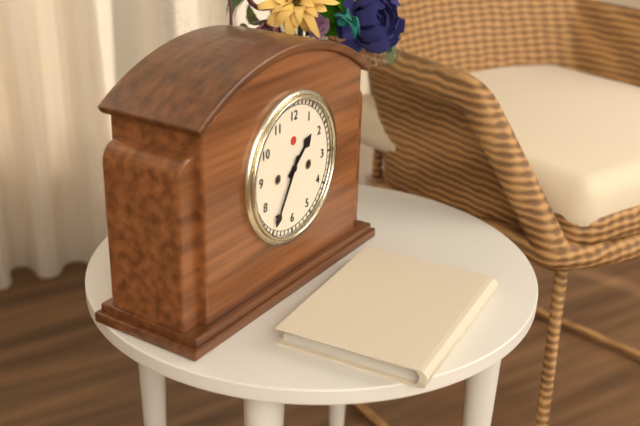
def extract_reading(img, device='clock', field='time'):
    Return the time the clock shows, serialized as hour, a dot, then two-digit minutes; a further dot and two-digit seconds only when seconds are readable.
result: 1.35
